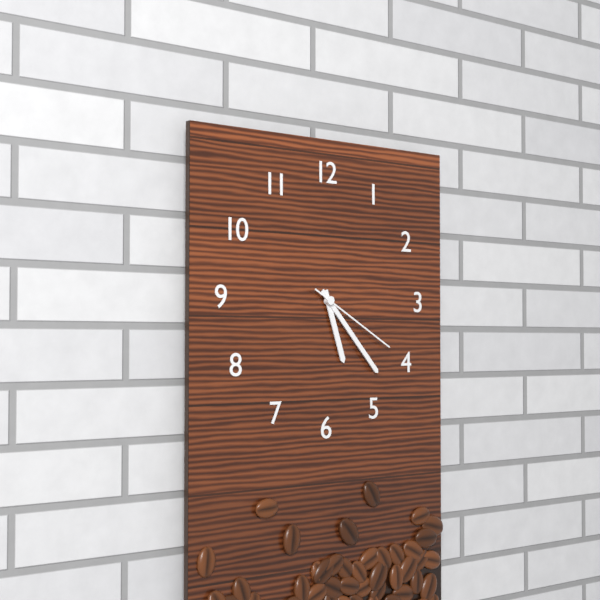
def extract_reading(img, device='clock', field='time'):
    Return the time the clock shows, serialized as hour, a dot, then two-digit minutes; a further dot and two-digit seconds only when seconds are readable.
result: 5.23.20
